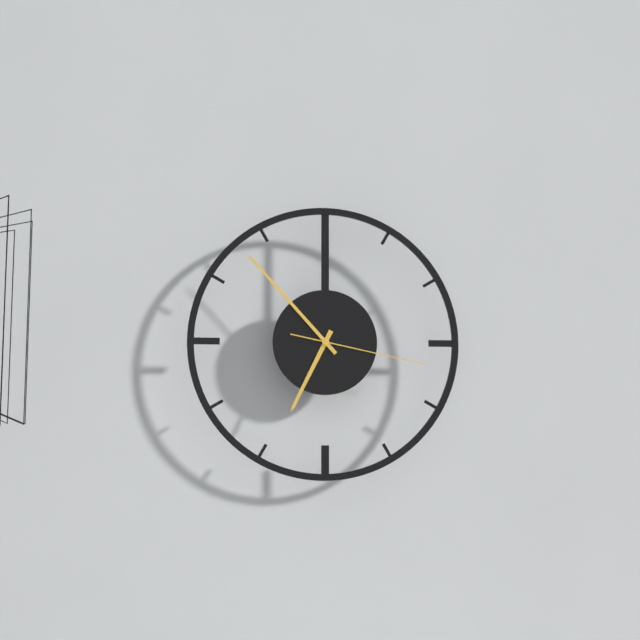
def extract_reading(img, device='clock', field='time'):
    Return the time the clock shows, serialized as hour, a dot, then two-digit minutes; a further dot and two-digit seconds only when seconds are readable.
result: 6.53.17
